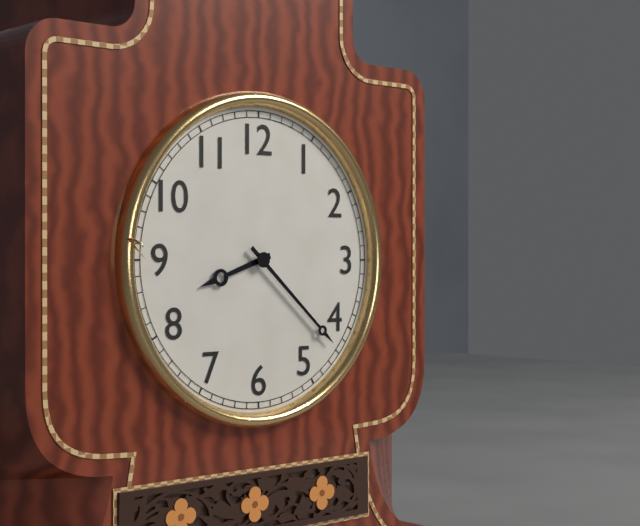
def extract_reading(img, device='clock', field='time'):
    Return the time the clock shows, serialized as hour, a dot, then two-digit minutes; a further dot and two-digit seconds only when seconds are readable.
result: 8.22
